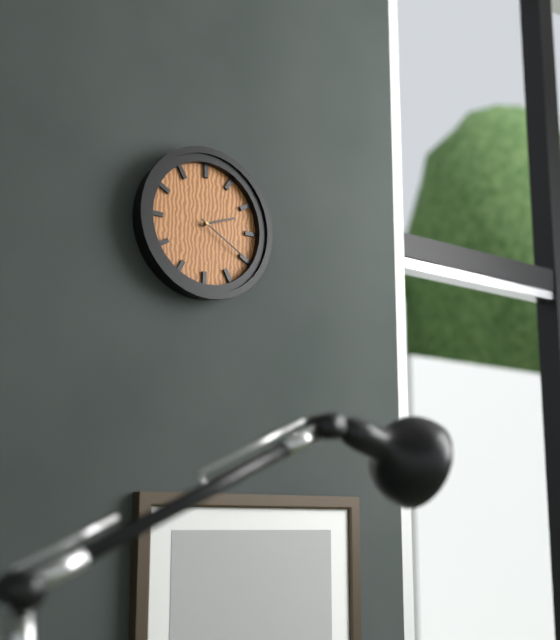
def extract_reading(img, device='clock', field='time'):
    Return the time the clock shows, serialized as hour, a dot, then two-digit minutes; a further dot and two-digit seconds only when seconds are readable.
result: 2.20
